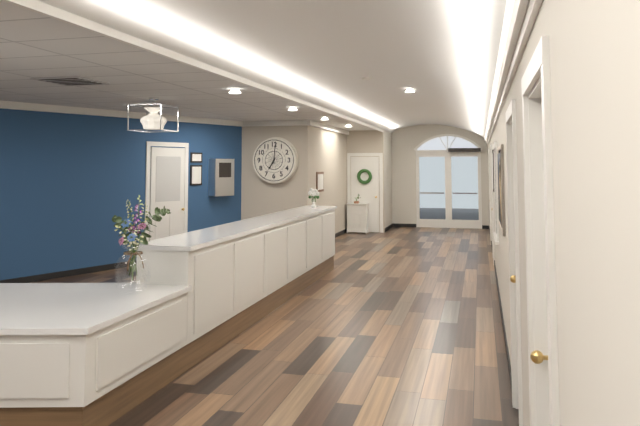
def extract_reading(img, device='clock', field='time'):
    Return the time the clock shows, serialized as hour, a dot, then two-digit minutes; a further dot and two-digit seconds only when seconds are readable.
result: 7.01
